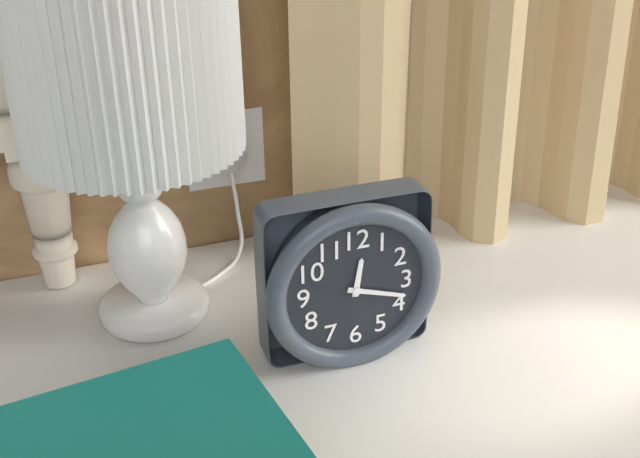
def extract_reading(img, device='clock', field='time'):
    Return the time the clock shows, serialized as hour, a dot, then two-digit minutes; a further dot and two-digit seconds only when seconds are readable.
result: 12.18
